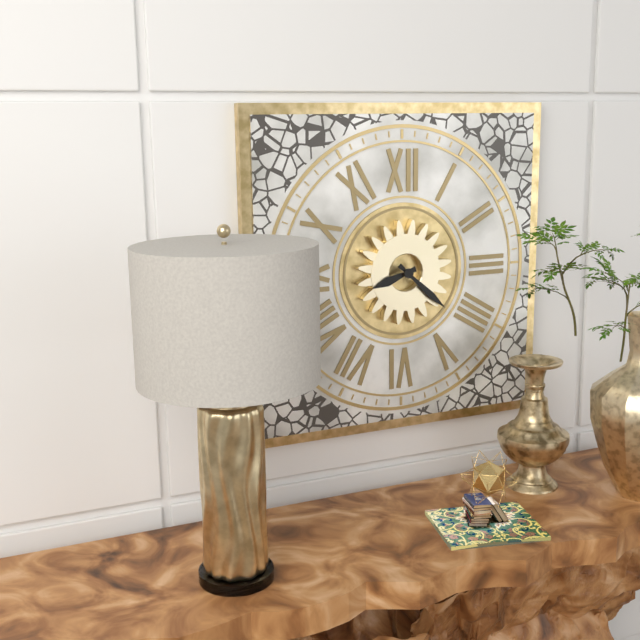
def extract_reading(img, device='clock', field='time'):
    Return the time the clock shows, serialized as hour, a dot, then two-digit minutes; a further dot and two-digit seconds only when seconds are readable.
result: 8.22
